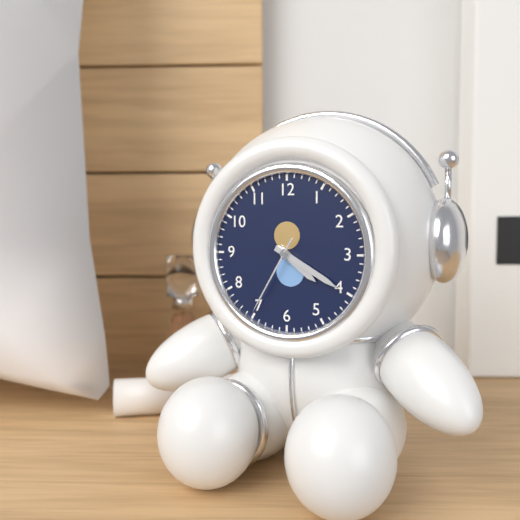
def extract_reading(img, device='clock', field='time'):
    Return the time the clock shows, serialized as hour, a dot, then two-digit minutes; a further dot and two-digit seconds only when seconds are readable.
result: 4.20.35
